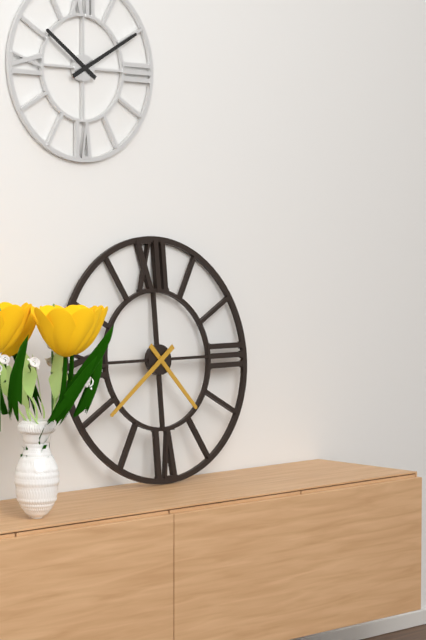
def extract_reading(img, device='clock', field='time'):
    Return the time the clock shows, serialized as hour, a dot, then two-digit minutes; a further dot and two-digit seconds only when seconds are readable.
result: 4.39
